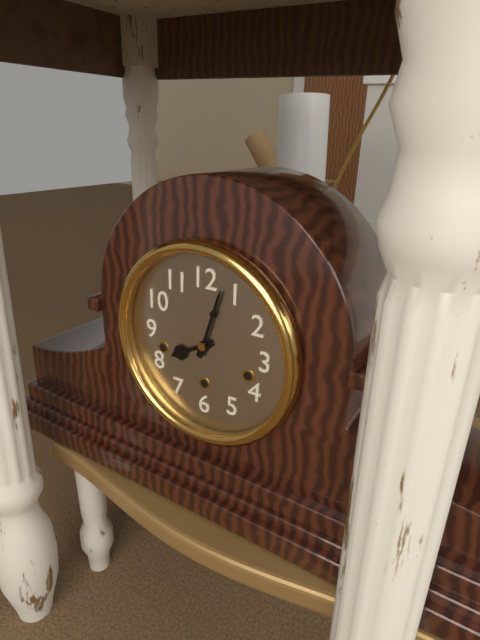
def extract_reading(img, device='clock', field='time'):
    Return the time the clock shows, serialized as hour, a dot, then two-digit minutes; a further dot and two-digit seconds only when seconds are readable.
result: 8.03
